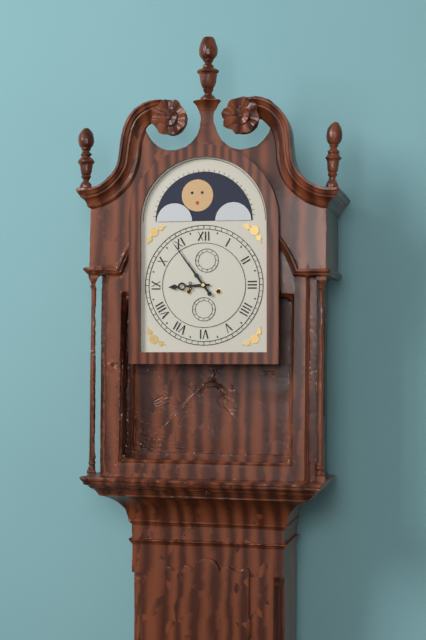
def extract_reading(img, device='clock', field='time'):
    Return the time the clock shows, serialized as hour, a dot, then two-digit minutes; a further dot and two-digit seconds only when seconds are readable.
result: 8.54
